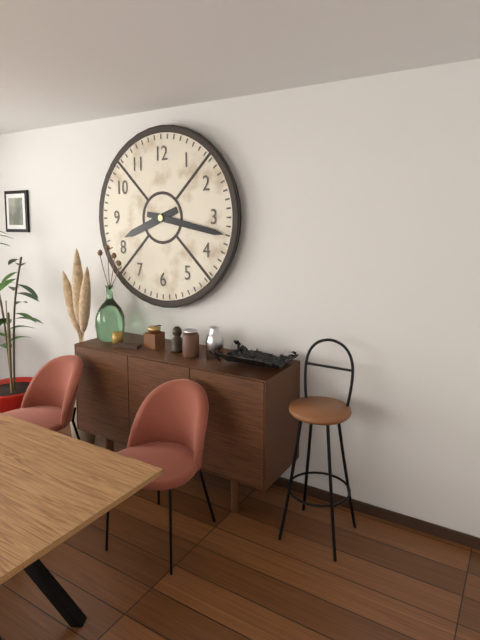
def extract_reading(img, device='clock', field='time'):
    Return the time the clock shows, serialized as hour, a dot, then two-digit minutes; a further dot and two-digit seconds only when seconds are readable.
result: 8.17
